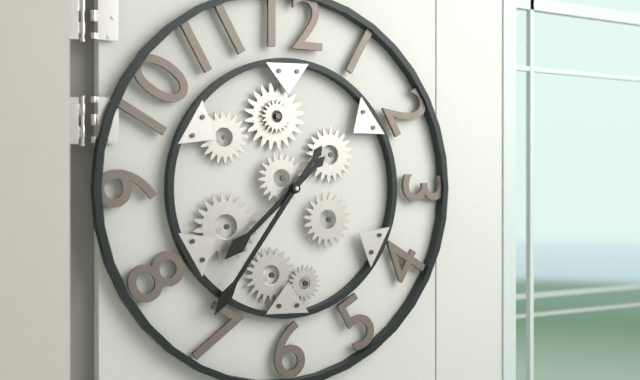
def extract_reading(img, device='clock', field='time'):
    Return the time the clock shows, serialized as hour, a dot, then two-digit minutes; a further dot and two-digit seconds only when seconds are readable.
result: 7.36
